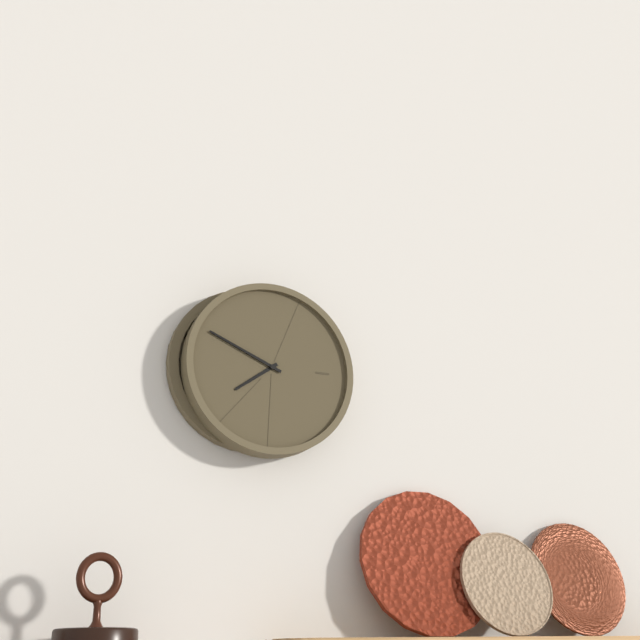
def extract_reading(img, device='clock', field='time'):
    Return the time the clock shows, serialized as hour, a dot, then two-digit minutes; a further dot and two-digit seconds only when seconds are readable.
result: 7.49
